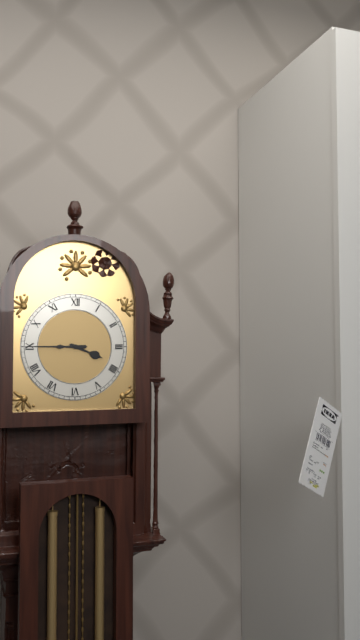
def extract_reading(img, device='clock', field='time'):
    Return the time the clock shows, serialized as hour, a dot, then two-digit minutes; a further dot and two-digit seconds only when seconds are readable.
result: 3.45
